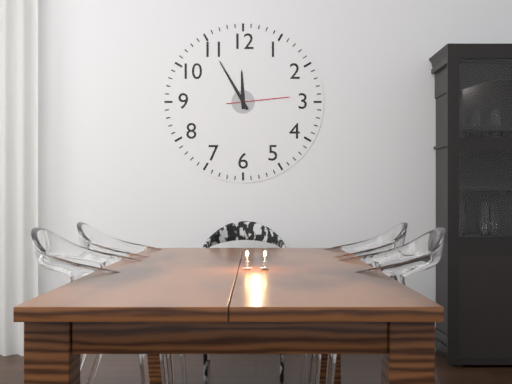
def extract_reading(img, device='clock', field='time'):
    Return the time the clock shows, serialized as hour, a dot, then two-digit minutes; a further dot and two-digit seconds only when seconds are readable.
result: 11.55.14
